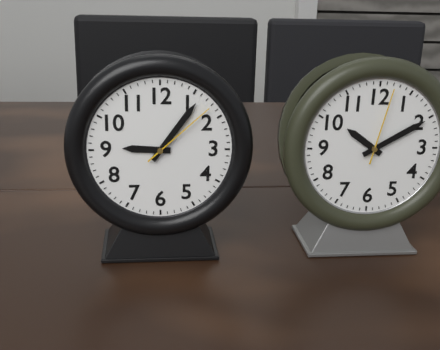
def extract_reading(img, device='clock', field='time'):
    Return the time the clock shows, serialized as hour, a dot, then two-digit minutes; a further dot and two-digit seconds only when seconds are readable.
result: 9.06.08
